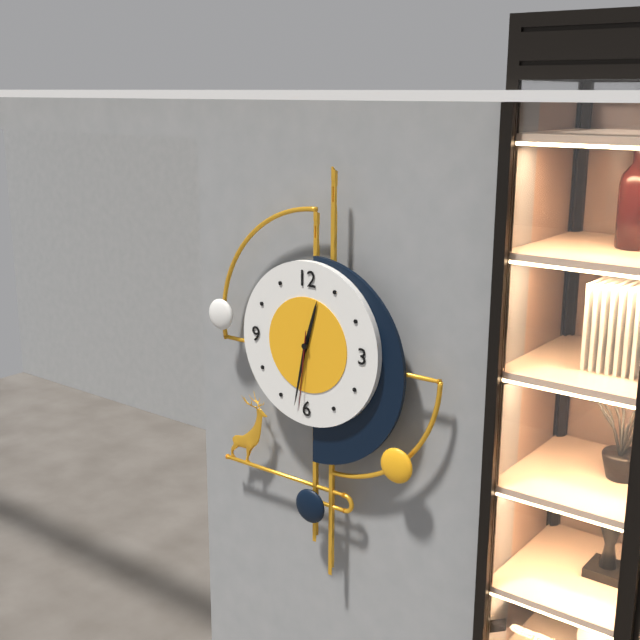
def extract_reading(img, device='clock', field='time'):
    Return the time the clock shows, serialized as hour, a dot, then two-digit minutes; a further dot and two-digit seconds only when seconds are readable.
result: 12.32.31
